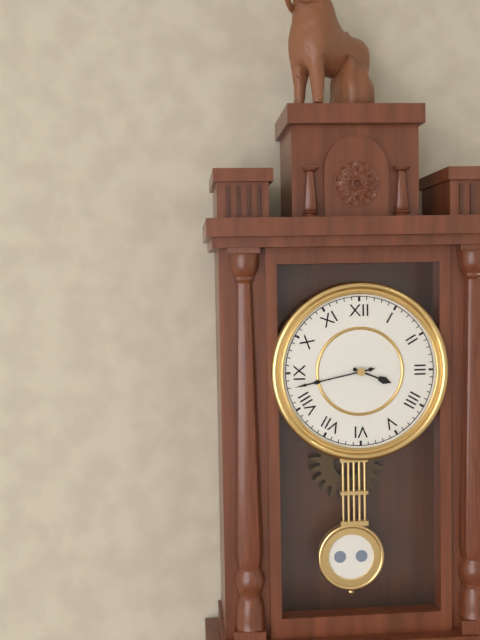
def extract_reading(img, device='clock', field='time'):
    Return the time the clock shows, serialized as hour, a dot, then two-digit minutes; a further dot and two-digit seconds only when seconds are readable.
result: 3.43
